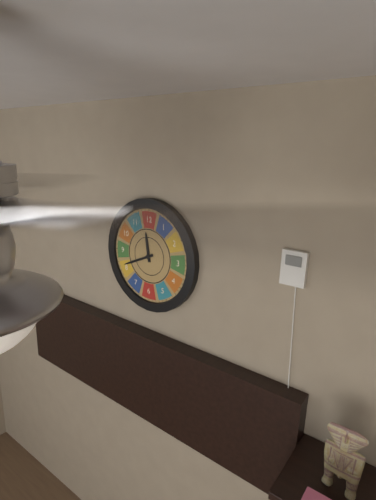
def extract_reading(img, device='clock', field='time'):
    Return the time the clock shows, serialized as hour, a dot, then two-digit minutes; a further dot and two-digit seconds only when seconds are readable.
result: 11.41
